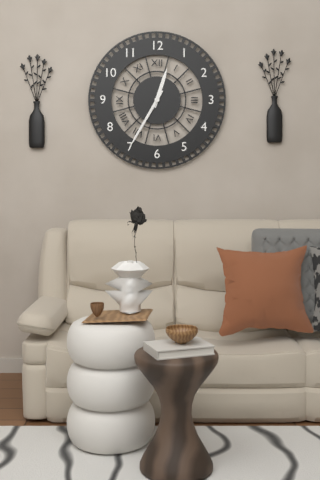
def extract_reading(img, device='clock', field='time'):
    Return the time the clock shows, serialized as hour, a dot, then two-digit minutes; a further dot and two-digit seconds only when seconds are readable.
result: 12.35
